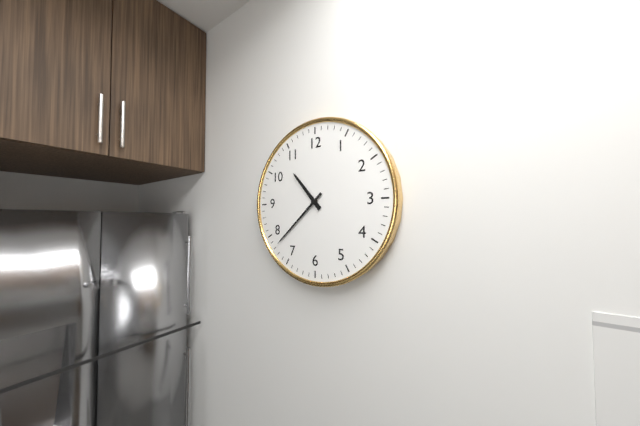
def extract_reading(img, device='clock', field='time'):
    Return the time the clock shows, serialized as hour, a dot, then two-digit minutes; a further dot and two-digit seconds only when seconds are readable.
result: 10.38
